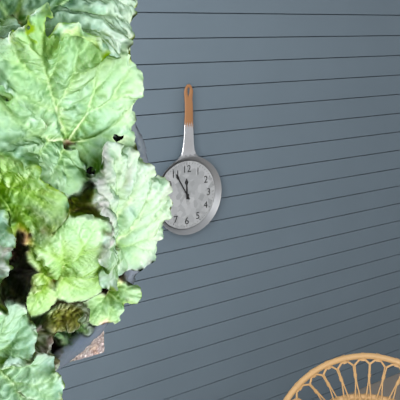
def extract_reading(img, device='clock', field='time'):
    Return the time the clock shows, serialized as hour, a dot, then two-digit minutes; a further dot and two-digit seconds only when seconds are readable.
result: 11.55
